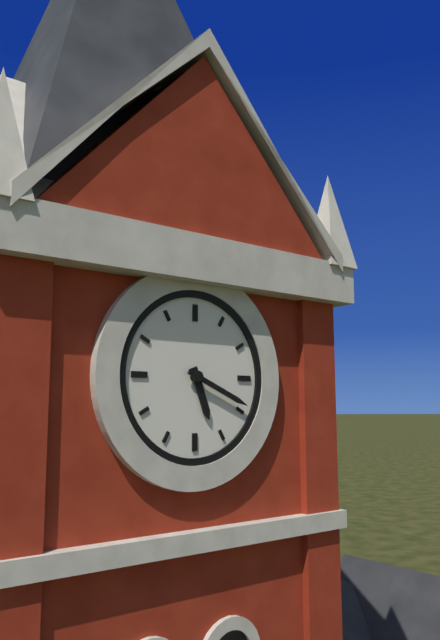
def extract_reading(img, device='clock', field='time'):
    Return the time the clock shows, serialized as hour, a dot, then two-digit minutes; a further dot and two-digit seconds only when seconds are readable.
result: 5.19
